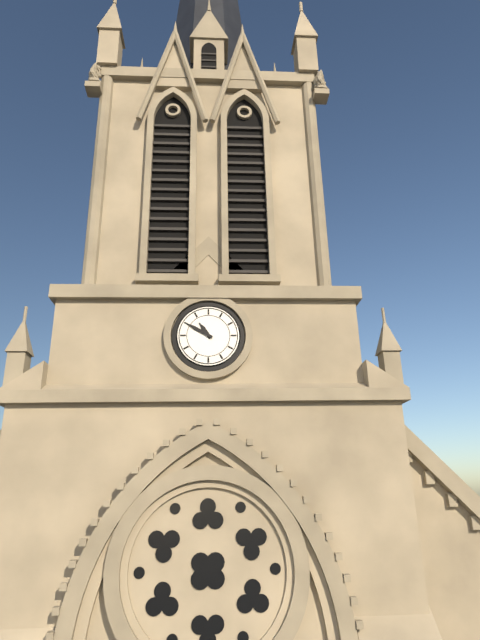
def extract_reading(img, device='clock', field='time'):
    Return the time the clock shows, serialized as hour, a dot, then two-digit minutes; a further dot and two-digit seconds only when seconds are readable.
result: 10.50
